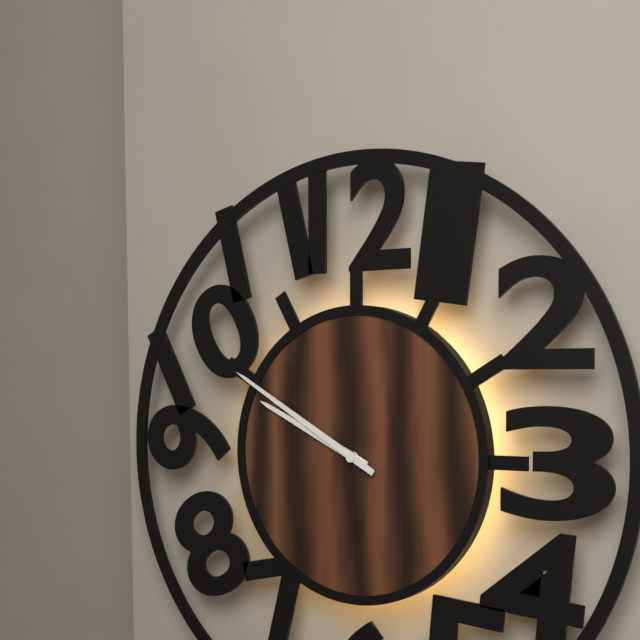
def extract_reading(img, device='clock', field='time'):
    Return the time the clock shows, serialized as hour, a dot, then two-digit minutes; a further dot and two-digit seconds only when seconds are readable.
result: 9.50
